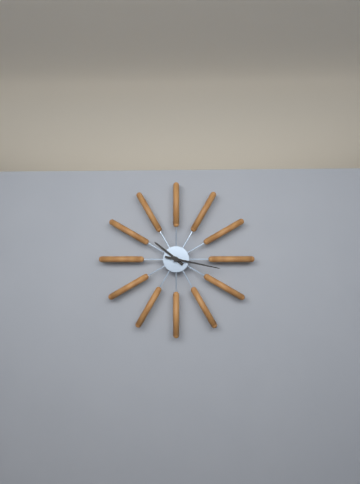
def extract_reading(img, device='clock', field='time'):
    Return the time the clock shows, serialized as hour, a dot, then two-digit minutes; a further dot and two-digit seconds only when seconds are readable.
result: 10.17
